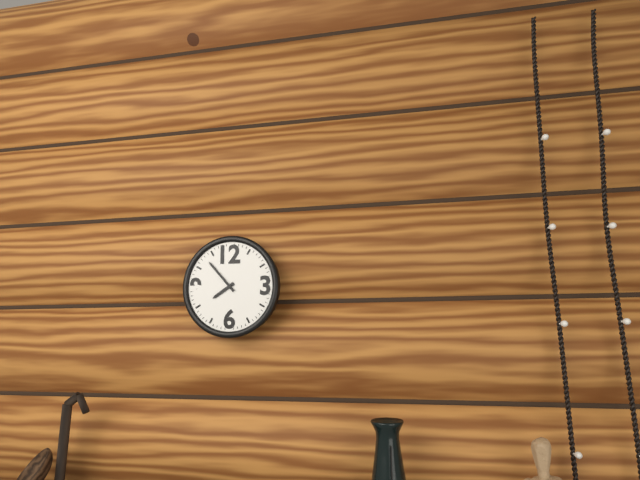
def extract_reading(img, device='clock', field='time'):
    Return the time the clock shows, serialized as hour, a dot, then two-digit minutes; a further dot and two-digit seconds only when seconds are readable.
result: 7.53
